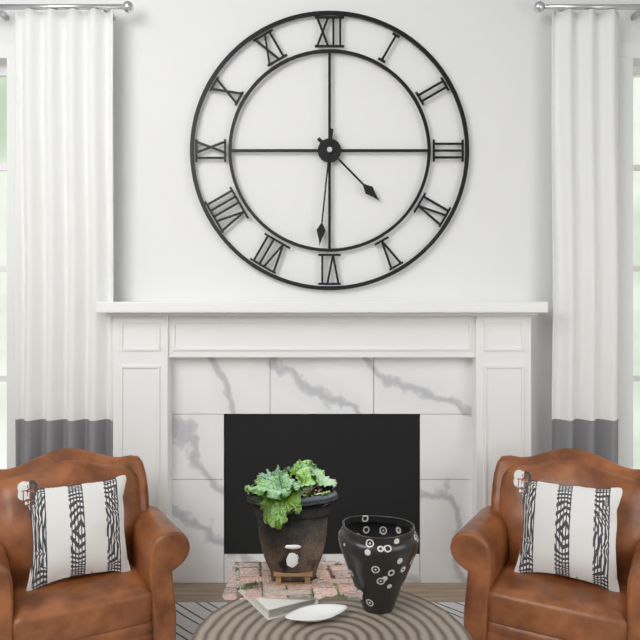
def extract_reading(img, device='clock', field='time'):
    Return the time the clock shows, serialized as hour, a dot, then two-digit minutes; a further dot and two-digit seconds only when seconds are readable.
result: 4.31
